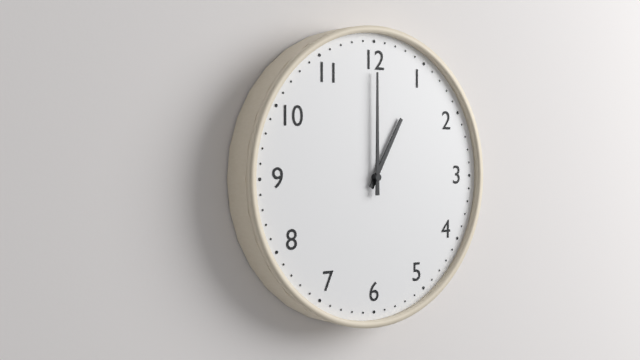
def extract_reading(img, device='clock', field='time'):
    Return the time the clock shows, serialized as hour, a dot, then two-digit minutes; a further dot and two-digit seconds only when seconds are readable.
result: 1.00
